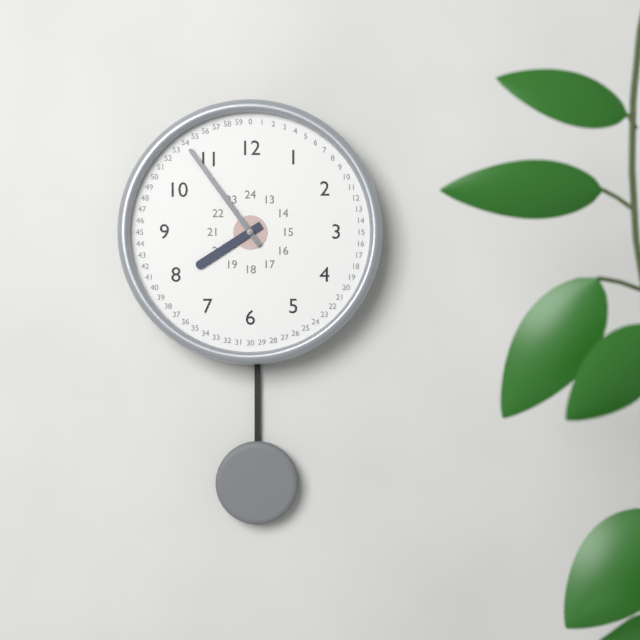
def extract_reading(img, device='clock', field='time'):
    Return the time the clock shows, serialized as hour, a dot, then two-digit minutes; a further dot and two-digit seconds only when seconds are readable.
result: 7.54
